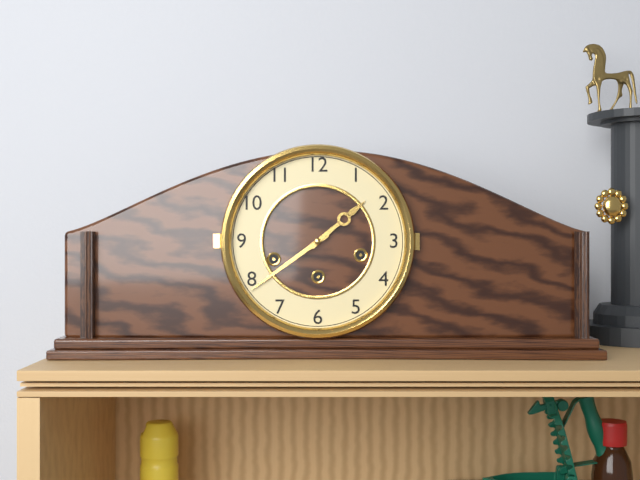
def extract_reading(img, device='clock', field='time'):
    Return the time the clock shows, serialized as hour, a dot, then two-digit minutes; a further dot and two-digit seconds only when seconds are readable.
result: 1.39
